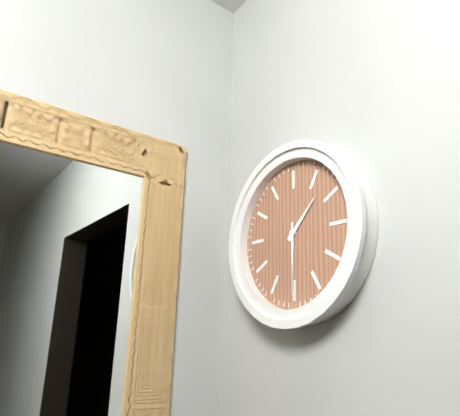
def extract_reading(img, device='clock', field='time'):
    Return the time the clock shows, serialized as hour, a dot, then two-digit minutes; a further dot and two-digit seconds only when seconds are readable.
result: 1.30
